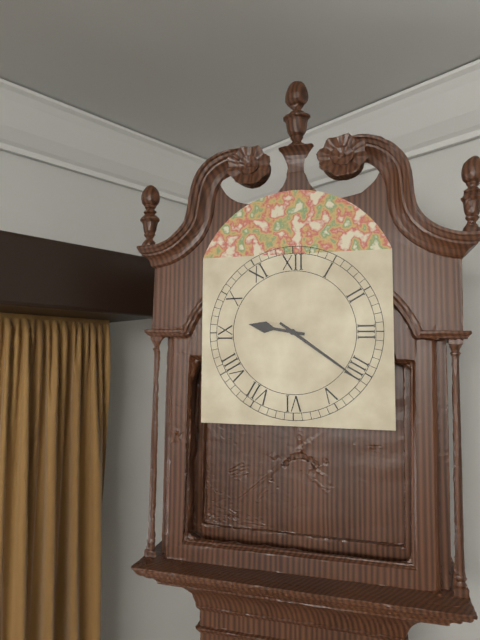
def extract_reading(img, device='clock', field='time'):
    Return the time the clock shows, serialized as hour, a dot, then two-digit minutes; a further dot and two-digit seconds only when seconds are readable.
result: 9.21
